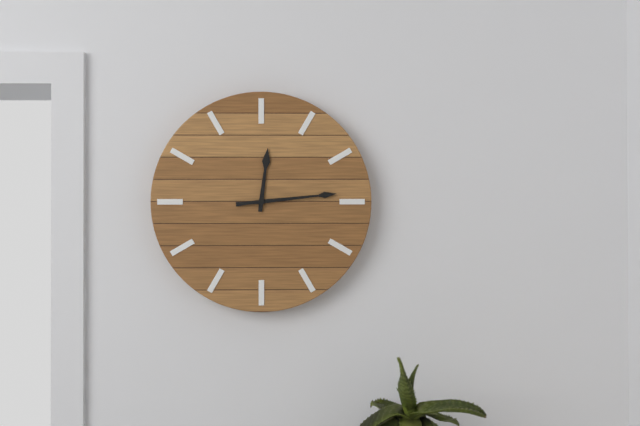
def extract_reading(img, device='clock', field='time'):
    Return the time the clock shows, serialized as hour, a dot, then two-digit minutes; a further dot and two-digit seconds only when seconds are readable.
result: 12.14
